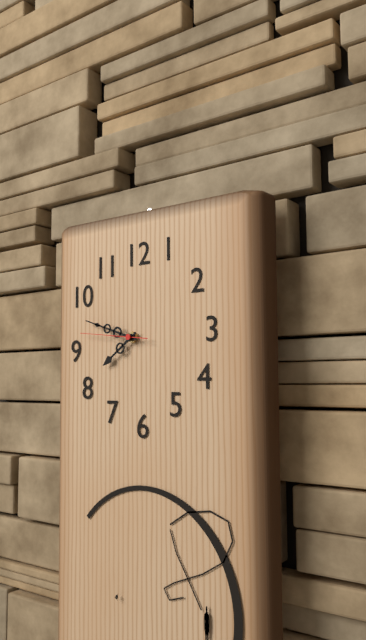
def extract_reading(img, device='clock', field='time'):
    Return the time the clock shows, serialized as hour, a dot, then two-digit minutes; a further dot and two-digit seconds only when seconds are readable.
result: 7.48.46
